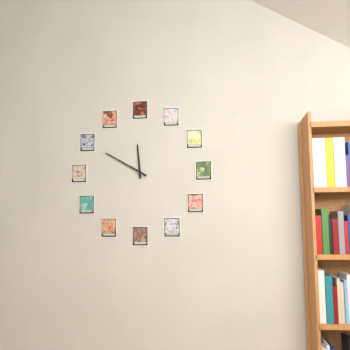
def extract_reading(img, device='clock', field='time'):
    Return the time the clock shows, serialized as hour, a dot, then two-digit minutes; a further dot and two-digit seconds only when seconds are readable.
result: 11.50
